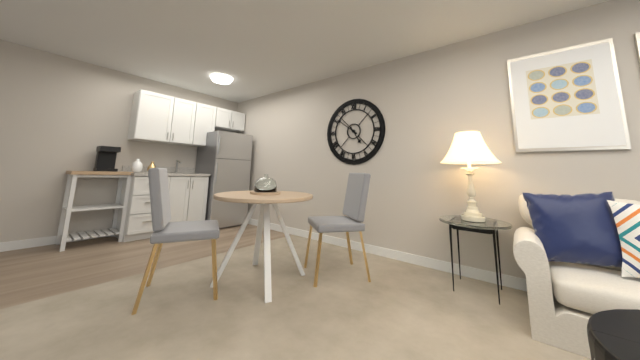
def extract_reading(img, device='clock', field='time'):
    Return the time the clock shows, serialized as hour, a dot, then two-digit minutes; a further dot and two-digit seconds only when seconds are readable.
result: 4.51
